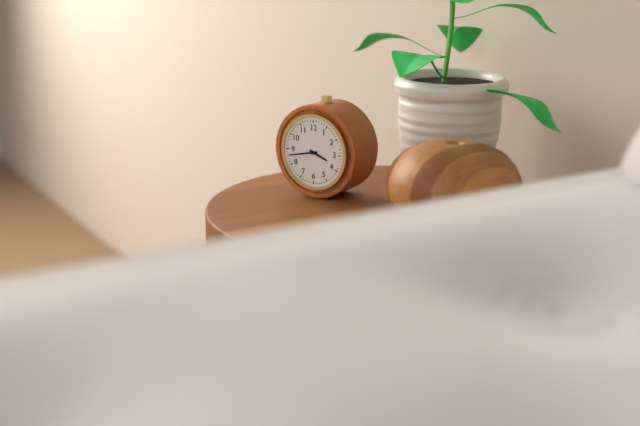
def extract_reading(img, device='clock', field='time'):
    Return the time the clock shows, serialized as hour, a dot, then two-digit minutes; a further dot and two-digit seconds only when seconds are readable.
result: 3.43
